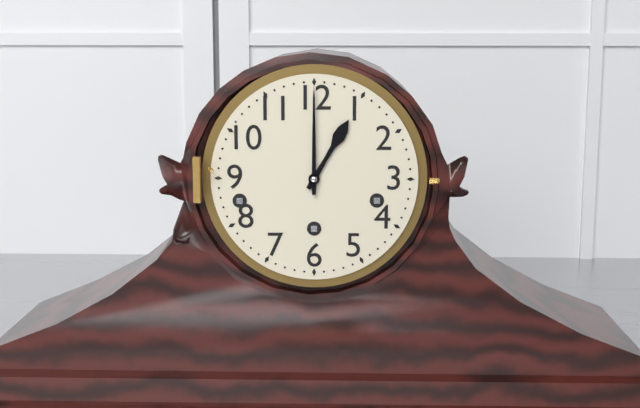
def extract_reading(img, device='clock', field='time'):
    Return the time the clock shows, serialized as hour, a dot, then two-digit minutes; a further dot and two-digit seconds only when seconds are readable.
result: 1.00
